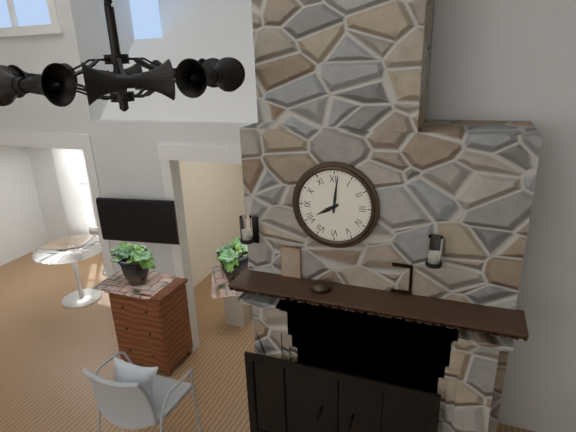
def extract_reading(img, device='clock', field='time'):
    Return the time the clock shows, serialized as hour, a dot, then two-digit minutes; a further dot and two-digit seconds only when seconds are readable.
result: 8.01
